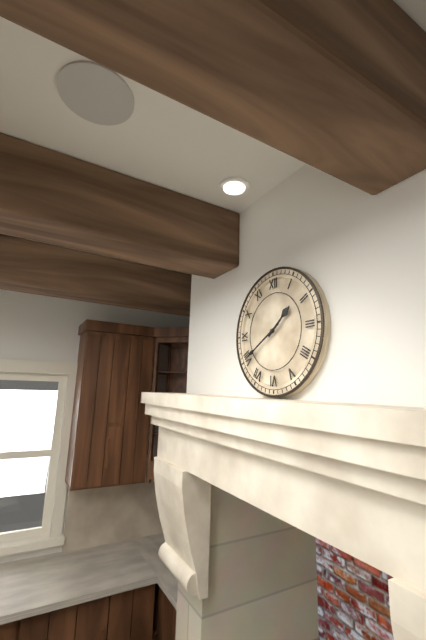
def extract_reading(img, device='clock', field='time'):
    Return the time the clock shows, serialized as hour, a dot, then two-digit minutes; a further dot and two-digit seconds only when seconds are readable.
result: 1.40
